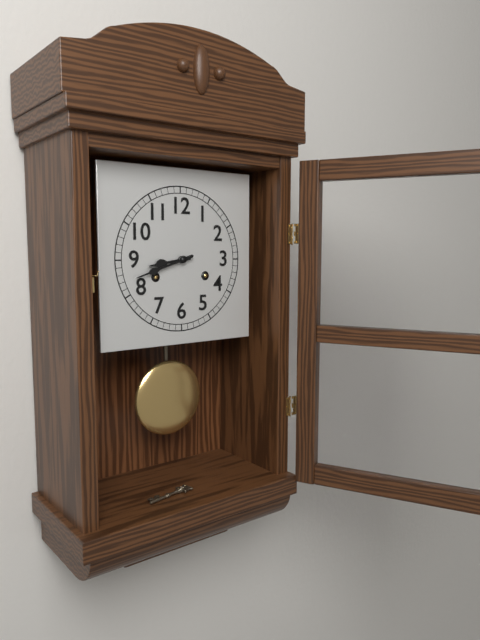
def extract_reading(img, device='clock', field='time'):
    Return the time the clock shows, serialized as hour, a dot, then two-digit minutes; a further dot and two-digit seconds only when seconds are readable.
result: 8.42
